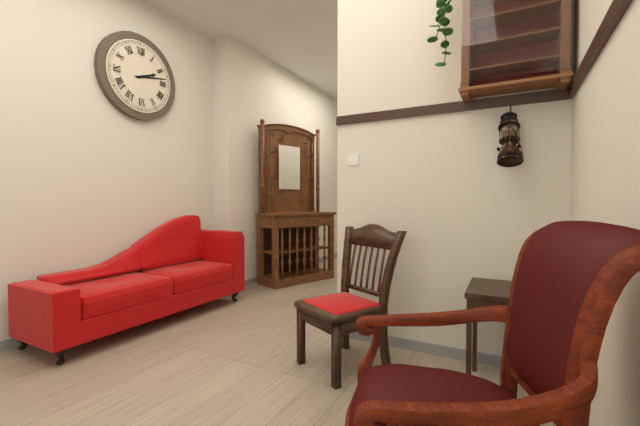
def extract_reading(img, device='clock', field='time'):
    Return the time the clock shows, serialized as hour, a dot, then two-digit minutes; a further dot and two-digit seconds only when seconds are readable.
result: 2.13
